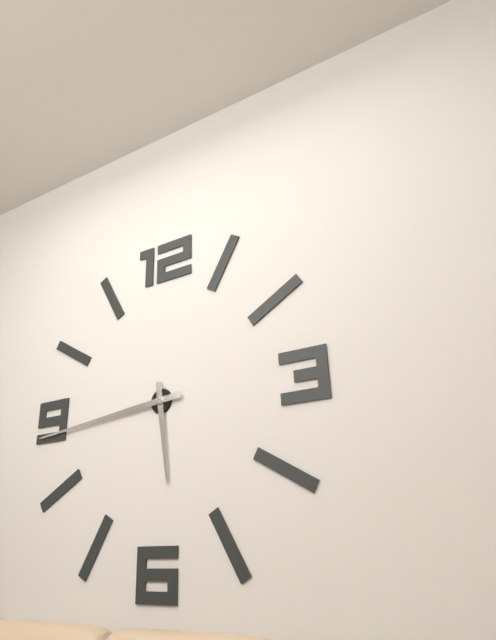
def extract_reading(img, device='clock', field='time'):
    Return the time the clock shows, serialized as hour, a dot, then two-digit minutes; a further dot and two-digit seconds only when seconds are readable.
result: 5.44
